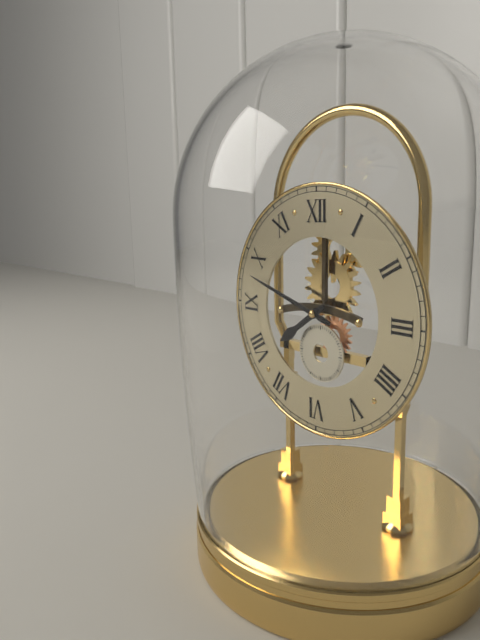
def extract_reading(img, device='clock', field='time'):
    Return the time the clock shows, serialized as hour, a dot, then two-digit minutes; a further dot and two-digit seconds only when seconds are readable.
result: 7.48
